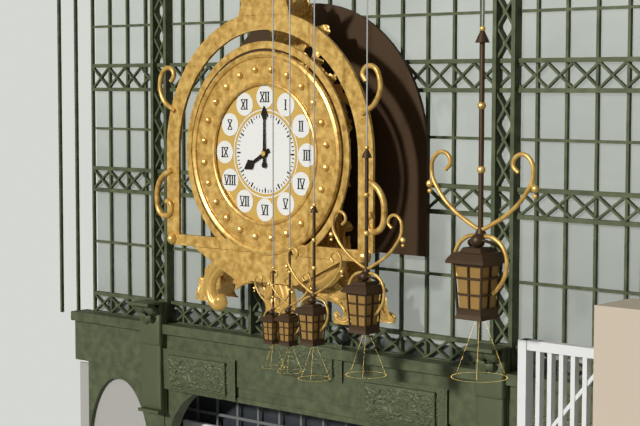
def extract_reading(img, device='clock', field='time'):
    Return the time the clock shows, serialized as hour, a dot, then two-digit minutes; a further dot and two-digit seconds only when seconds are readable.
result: 8.00
